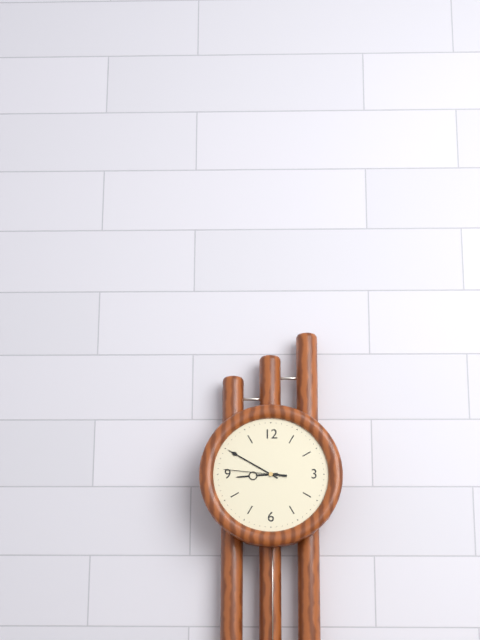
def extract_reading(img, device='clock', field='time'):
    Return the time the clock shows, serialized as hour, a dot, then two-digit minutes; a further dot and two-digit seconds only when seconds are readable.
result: 8.50.46
